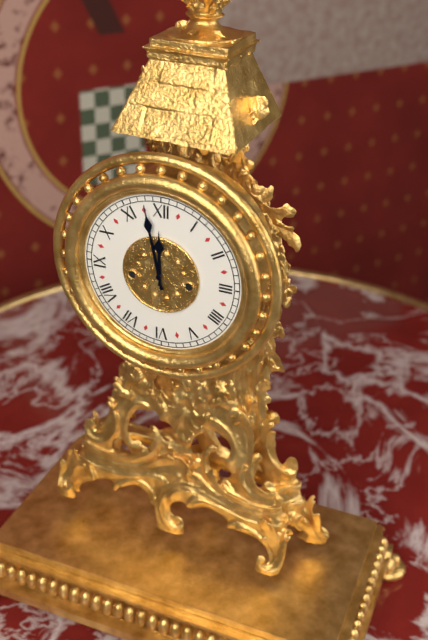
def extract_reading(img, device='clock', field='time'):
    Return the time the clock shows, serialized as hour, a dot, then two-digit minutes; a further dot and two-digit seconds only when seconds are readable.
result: 11.58
